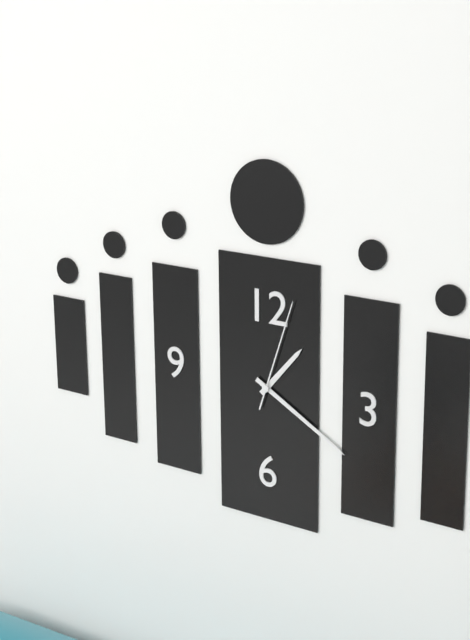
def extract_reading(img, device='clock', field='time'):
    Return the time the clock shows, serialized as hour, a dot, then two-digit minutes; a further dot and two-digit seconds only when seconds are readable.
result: 1.20.03
